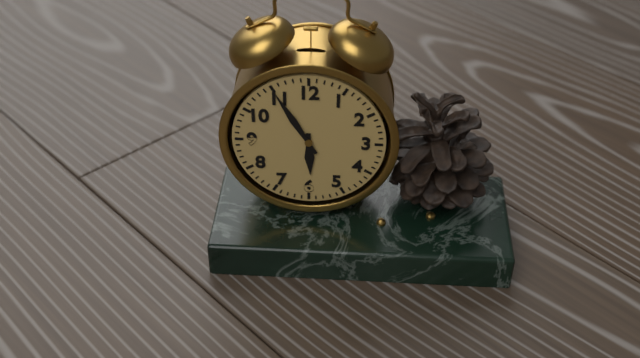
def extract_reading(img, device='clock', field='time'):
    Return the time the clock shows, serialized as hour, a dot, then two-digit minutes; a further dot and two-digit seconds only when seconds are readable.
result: 5.55
